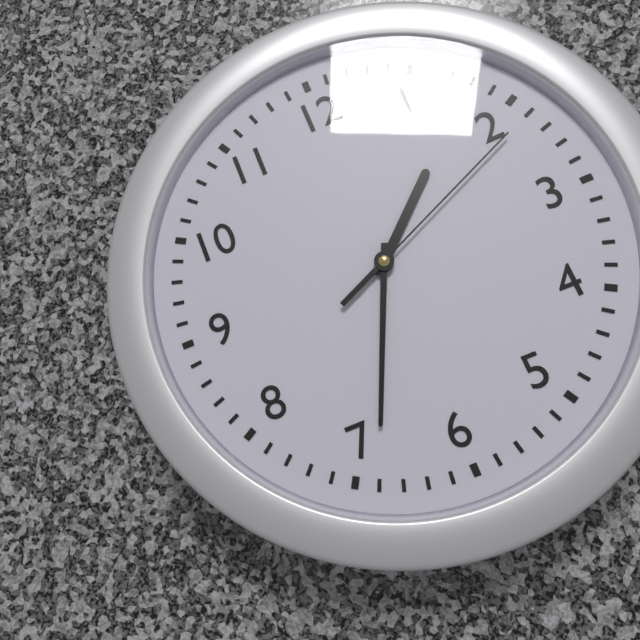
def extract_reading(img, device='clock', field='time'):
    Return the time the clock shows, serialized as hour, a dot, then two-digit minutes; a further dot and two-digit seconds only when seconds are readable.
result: 1.34.11
